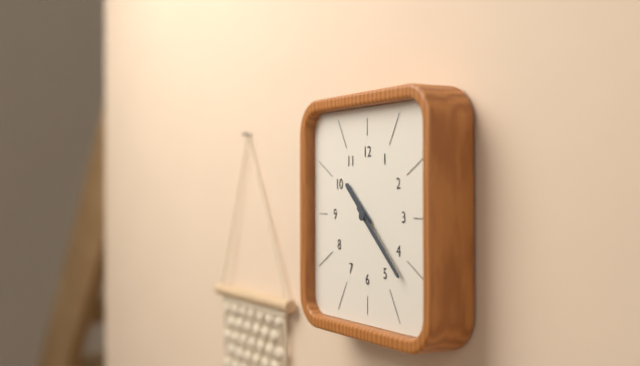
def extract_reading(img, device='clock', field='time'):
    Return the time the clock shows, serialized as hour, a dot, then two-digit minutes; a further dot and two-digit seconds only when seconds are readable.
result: 10.22
